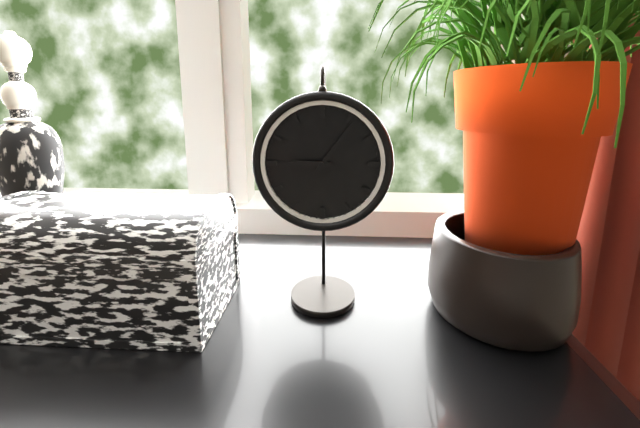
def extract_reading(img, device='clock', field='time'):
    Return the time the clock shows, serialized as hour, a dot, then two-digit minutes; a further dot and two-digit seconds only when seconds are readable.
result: 9.06
